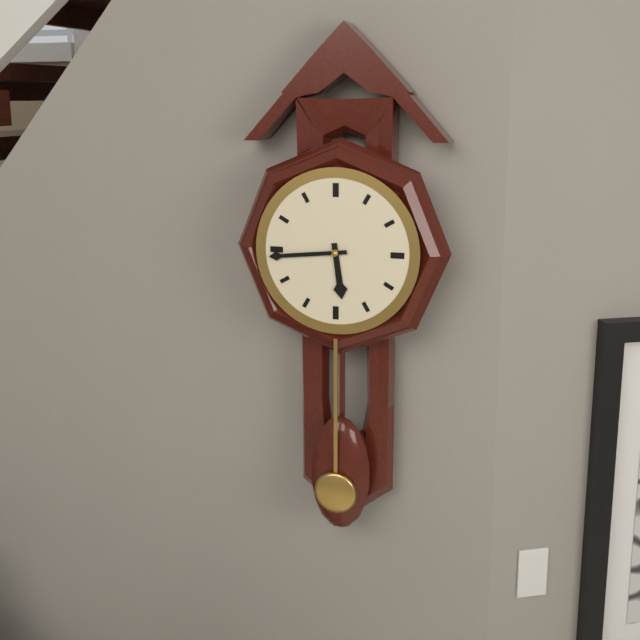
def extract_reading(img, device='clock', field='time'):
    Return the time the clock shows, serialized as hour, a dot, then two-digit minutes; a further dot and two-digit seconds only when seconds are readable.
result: 5.44
